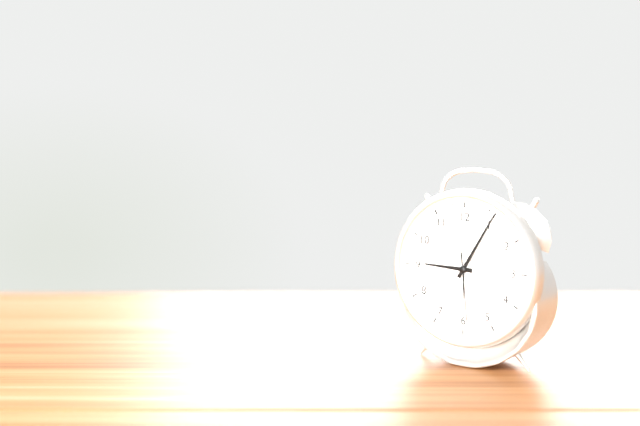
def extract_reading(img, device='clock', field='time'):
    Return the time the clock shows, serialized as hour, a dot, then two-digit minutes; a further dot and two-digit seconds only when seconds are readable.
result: 9.05.29
